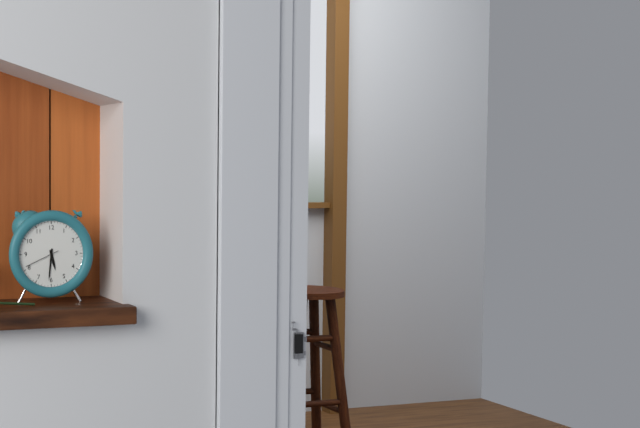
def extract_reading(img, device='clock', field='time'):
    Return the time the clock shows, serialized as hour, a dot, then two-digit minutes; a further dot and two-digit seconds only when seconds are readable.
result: 5.31
